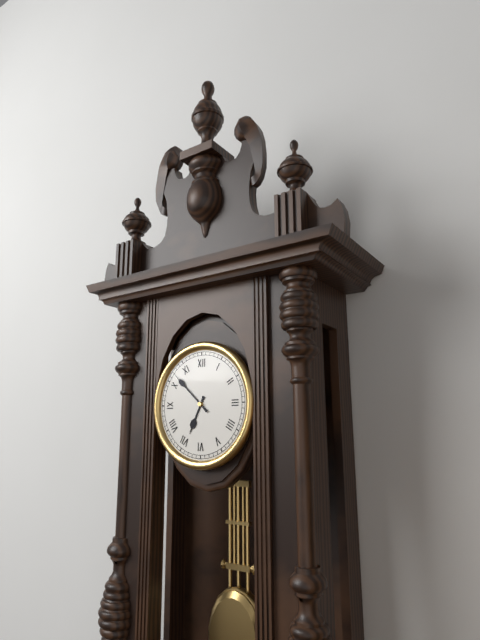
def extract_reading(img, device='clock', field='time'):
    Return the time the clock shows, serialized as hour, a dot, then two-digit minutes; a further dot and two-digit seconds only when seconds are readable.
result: 6.52
